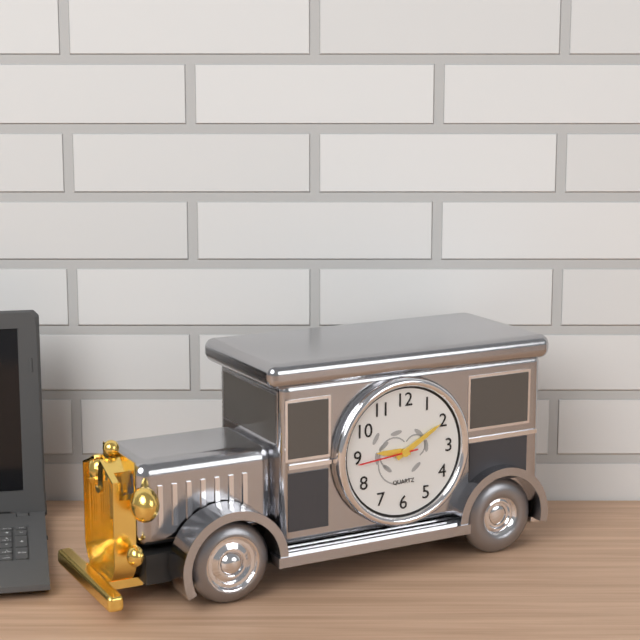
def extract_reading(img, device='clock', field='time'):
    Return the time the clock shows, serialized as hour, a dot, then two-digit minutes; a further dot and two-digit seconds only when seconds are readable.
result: 9.10.44
